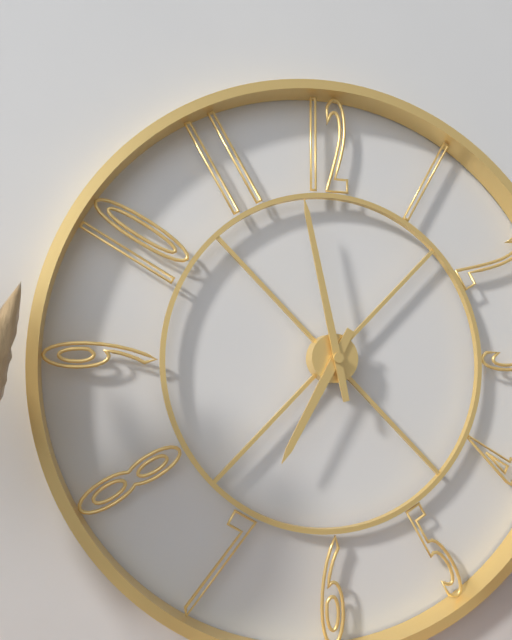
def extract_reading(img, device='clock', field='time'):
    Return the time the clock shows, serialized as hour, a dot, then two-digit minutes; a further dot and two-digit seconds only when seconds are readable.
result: 6.58
